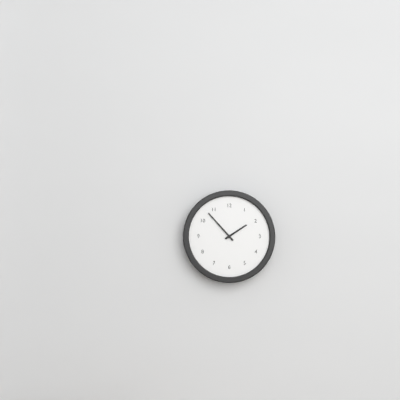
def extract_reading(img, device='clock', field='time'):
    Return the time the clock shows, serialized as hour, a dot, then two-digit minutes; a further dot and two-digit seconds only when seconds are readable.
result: 1.53
